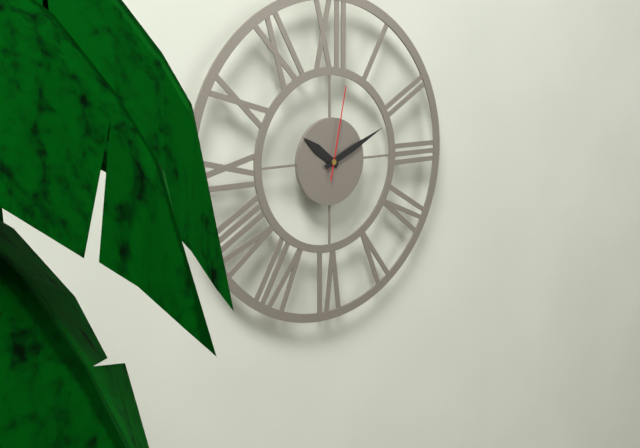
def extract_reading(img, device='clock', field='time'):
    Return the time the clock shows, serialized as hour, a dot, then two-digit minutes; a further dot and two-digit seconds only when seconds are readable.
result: 10.11.02
